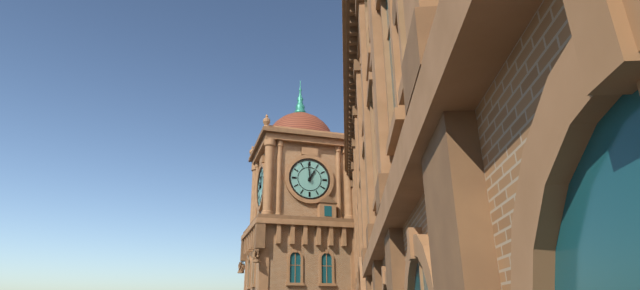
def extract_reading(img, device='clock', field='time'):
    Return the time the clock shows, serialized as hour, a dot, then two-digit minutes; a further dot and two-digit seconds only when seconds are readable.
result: 12.59
